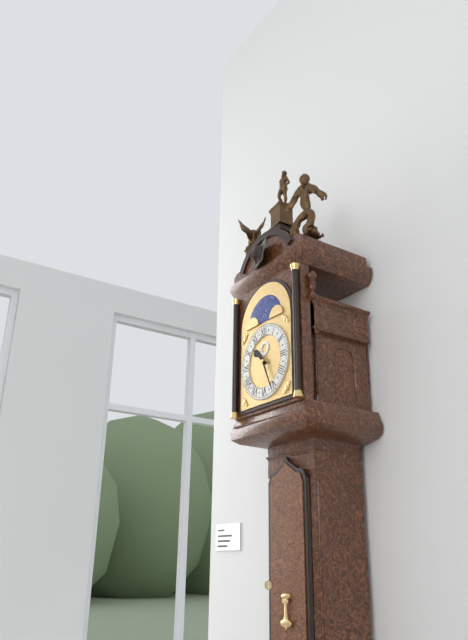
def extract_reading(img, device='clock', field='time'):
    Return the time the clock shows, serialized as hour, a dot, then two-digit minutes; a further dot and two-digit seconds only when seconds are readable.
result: 10.26
